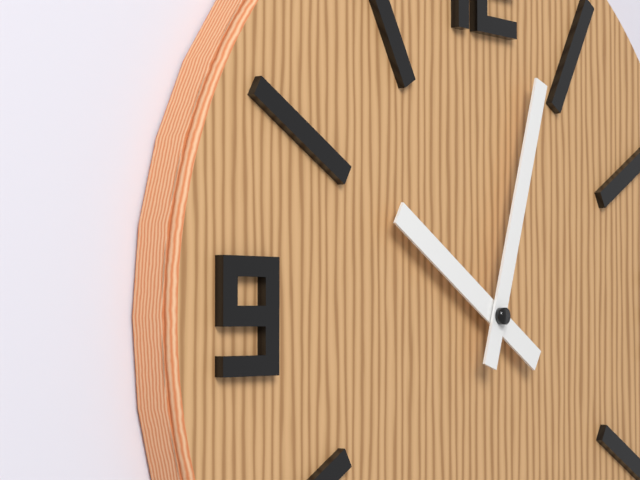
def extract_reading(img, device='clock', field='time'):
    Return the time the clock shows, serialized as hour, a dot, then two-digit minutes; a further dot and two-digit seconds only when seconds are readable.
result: 10.03
